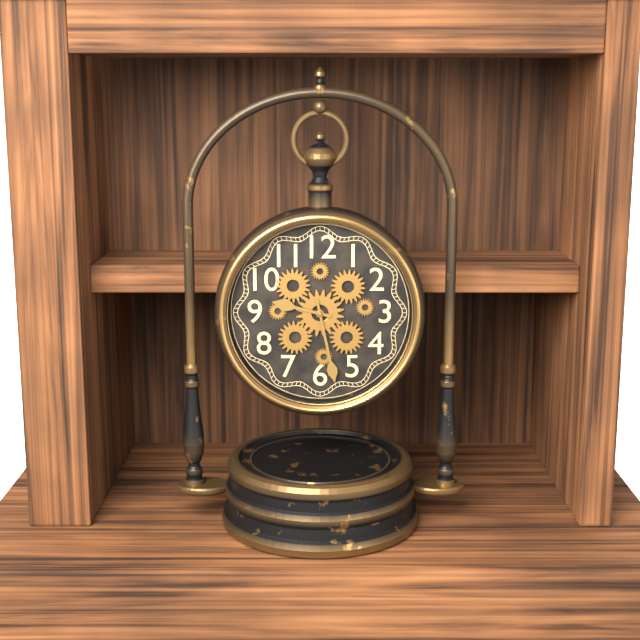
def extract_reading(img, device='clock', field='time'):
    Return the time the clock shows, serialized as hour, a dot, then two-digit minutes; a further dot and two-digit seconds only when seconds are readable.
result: 9.28
